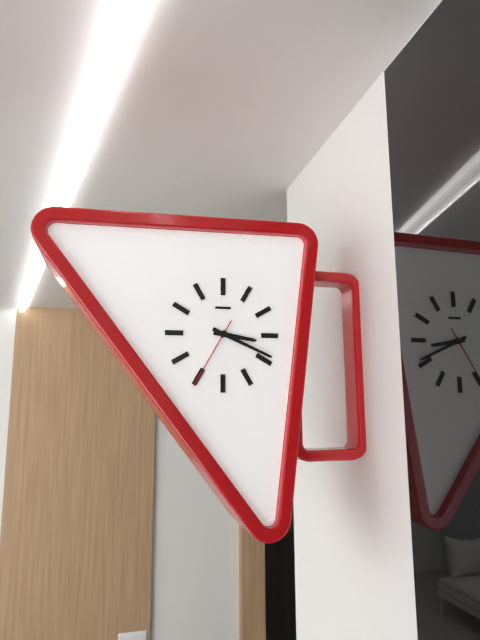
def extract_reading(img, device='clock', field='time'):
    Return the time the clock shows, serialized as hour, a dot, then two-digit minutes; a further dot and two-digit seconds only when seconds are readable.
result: 3.19.35
